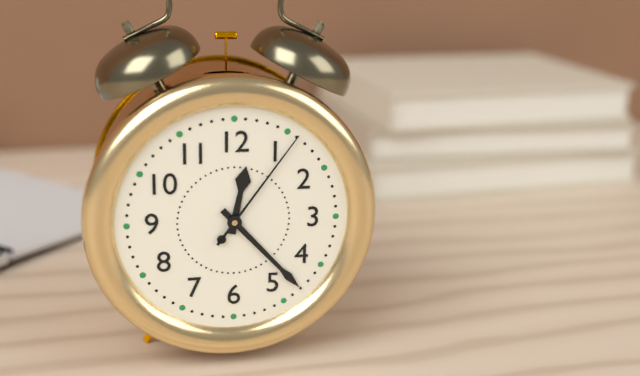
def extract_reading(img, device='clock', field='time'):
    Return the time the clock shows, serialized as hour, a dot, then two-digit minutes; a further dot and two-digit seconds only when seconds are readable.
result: 12.23.06
